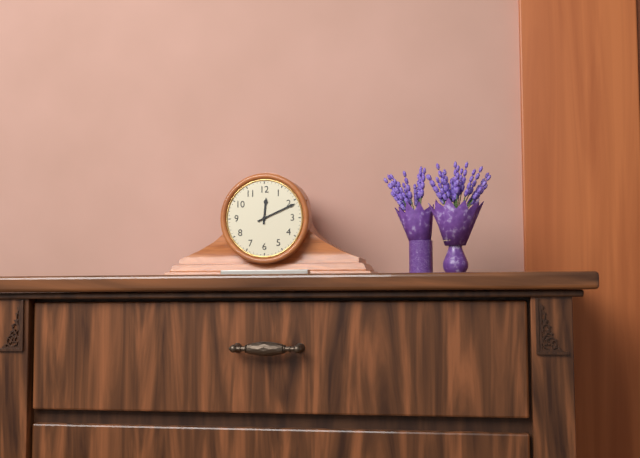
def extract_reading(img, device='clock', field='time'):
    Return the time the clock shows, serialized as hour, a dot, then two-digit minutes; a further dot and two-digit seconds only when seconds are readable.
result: 12.11
